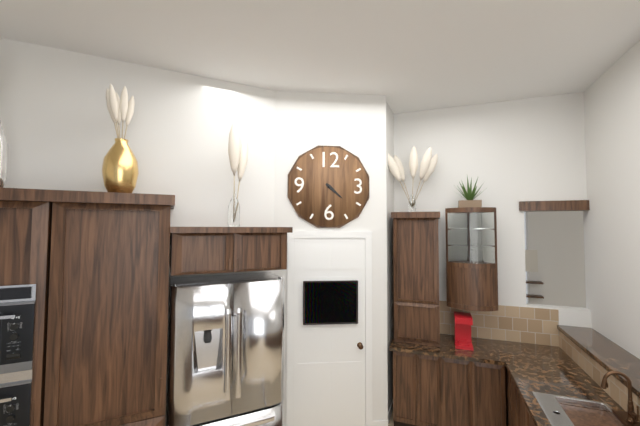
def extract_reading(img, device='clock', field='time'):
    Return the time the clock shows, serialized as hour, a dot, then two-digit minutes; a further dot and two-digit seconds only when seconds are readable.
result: 4.22
